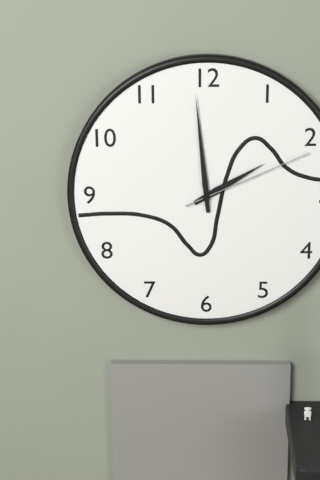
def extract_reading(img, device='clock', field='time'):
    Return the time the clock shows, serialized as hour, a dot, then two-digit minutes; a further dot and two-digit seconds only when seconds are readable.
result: 1.59.11
